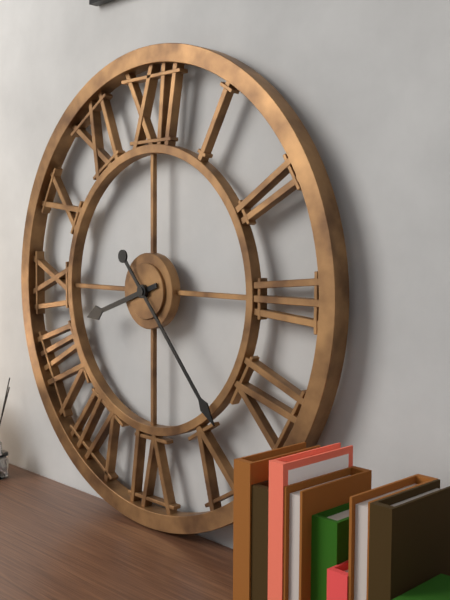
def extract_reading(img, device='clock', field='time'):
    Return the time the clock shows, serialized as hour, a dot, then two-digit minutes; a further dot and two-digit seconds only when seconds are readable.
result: 8.23
